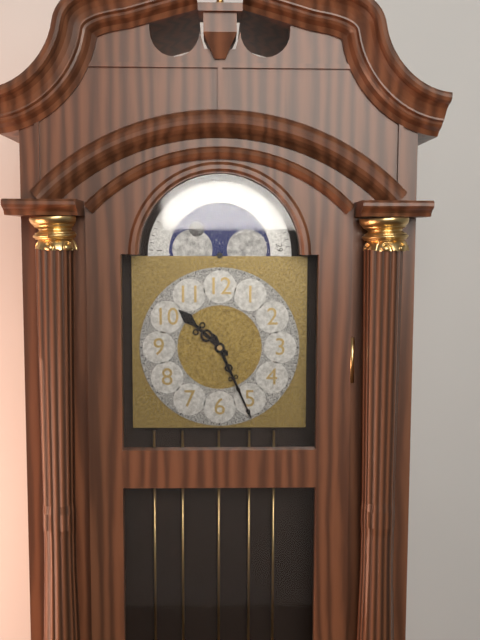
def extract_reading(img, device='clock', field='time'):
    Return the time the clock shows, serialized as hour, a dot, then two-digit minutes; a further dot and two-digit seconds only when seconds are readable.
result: 10.26
